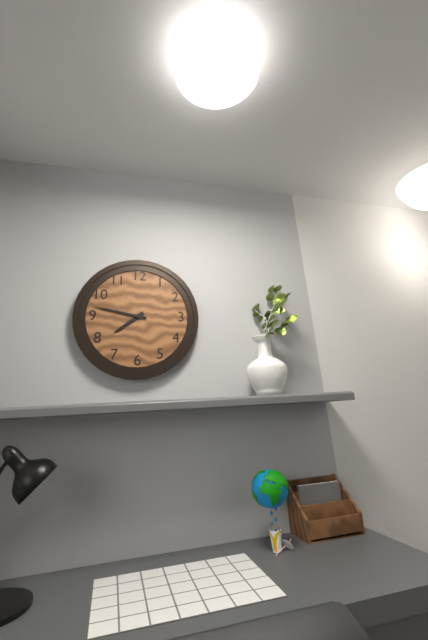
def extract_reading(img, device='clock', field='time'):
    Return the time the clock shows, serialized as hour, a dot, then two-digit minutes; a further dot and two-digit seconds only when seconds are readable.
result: 7.47
